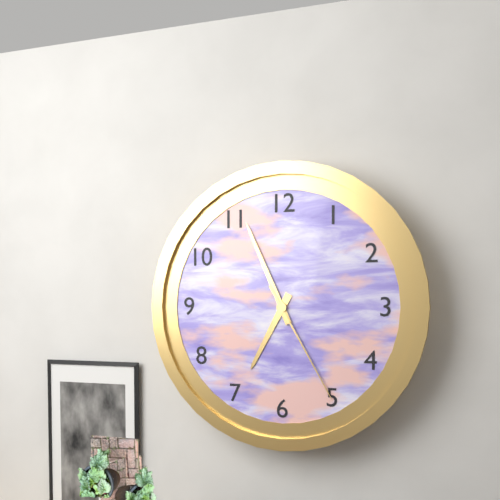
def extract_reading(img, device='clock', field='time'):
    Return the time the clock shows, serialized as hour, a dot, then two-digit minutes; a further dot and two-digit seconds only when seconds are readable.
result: 6.56.25
